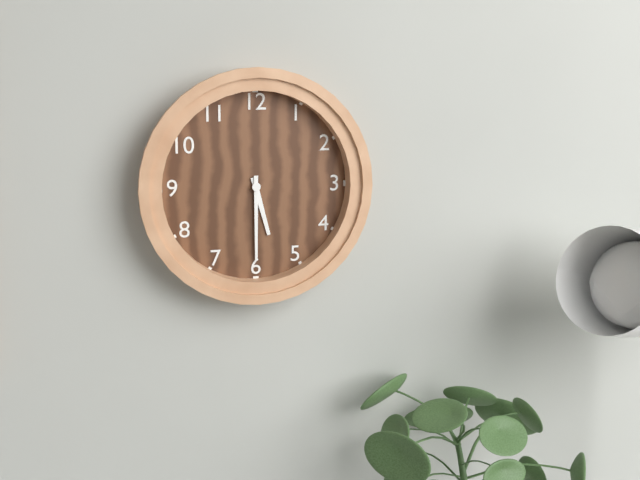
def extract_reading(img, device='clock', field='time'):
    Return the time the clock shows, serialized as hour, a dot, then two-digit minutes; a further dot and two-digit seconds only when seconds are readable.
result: 5.30
